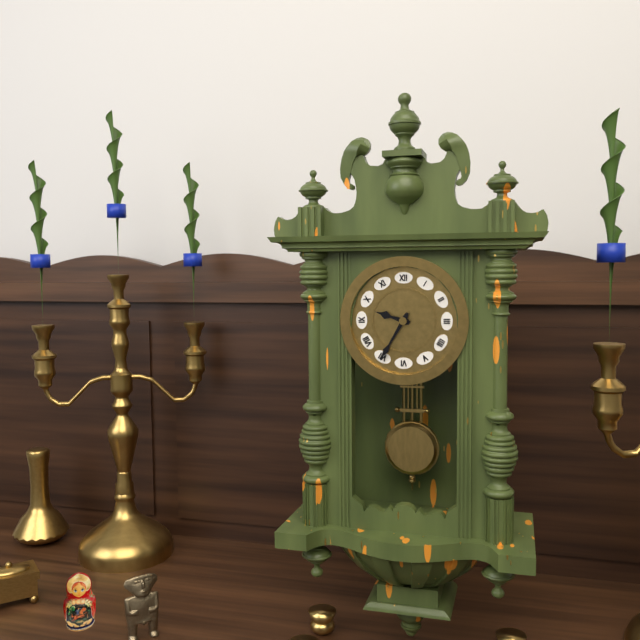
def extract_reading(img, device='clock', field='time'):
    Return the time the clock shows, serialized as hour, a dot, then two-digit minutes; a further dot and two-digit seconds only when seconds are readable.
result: 9.35
